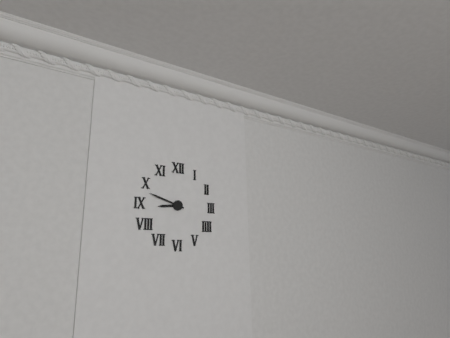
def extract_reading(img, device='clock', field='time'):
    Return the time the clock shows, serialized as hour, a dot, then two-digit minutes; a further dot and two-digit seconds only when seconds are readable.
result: 8.48
